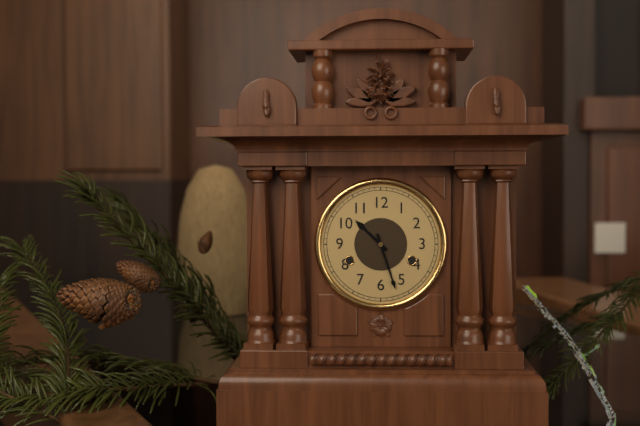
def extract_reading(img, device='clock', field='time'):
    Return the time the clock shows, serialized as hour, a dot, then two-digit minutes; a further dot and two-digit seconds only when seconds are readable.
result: 10.27
